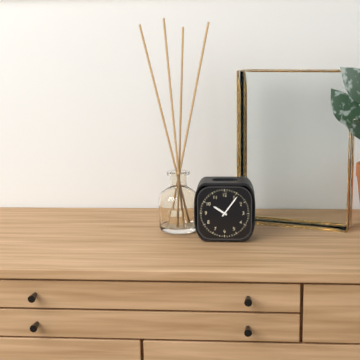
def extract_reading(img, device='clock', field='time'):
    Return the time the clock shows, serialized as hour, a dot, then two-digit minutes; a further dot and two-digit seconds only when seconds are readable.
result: 10.06
